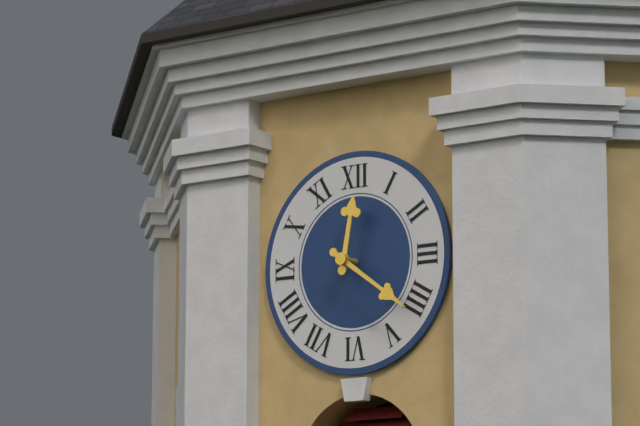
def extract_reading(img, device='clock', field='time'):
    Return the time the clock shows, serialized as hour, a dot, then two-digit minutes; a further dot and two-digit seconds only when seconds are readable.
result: 12.21
